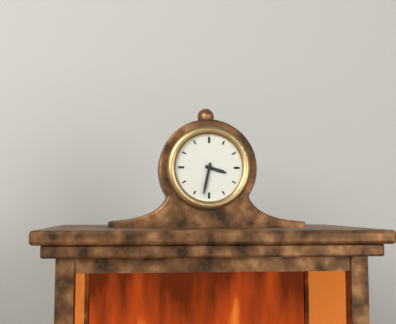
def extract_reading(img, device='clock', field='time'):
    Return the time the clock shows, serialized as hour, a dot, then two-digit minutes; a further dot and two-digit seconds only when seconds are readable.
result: 3.32
